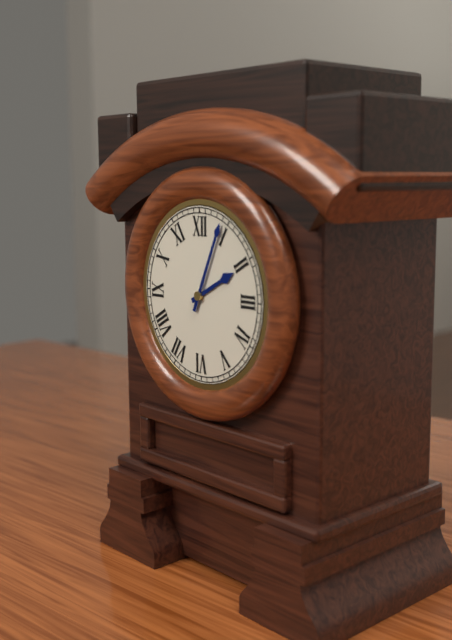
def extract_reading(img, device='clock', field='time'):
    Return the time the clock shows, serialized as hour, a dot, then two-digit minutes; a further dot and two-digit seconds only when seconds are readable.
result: 2.04
